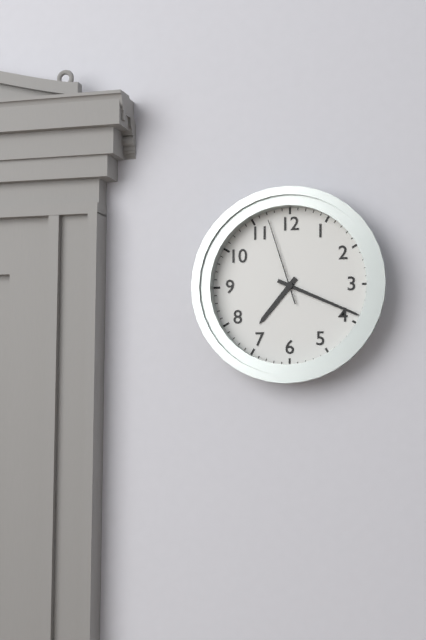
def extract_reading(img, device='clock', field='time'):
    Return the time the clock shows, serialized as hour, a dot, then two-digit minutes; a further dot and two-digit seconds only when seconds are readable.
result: 7.19.57
